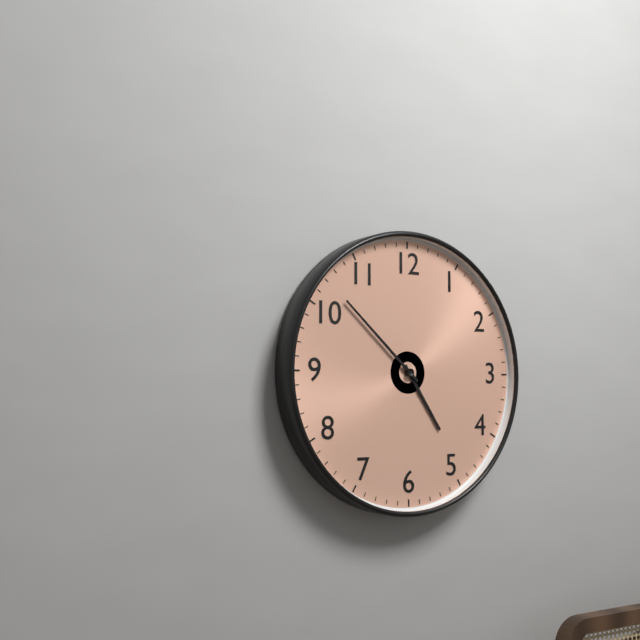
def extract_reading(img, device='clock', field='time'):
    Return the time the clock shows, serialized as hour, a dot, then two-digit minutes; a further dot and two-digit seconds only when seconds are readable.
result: 4.52
